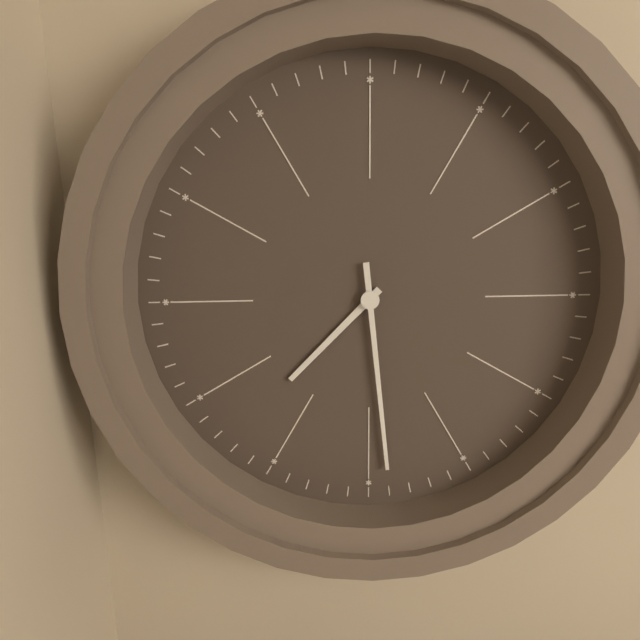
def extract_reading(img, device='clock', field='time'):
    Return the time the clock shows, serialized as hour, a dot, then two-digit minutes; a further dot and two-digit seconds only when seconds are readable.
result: 7.29
